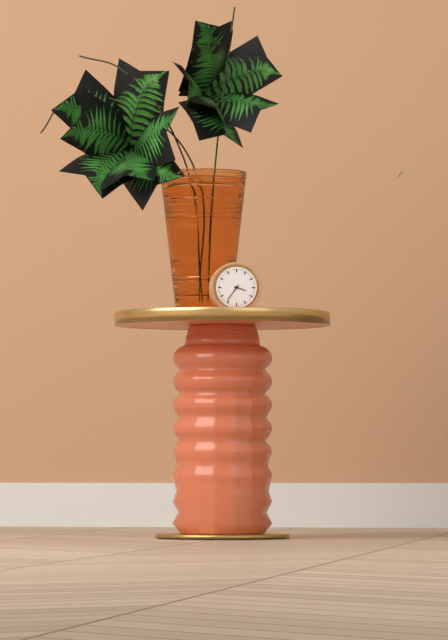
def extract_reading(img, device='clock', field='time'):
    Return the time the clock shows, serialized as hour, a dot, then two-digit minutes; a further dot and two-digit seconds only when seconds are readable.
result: 3.36
